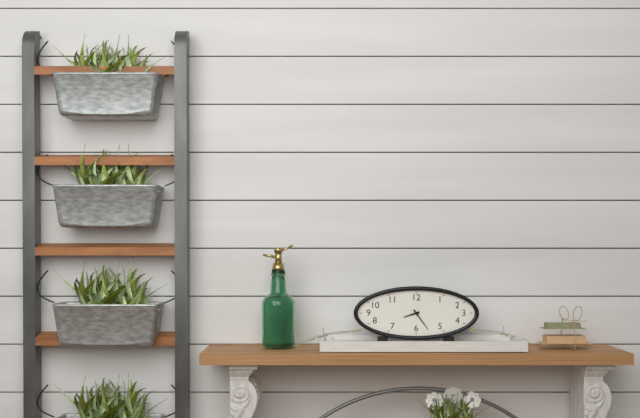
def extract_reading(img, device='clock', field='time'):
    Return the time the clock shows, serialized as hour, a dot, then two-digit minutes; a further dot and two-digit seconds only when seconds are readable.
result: 8.24
